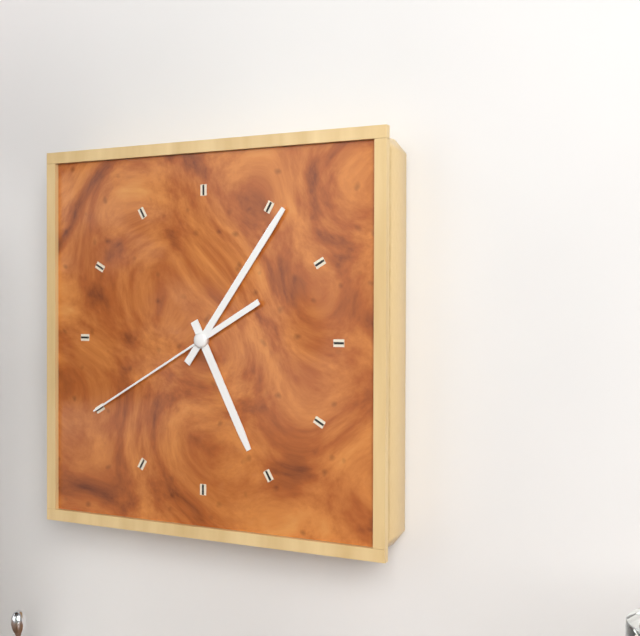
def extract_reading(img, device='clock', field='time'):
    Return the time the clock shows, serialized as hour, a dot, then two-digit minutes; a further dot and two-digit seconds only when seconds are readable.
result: 5.06.40
